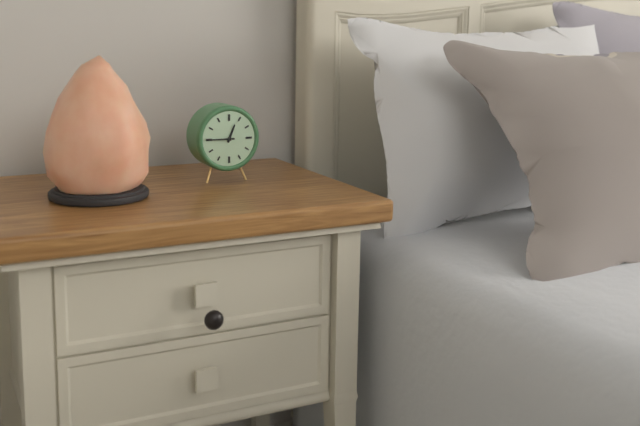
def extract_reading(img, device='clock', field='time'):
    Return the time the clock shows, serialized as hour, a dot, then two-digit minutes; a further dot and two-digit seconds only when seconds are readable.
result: 12.45
